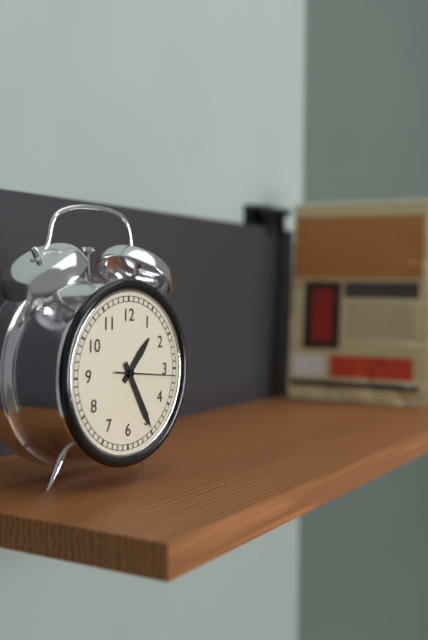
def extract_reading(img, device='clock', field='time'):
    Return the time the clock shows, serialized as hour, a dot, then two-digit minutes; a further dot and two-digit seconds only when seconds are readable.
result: 1.25.16
